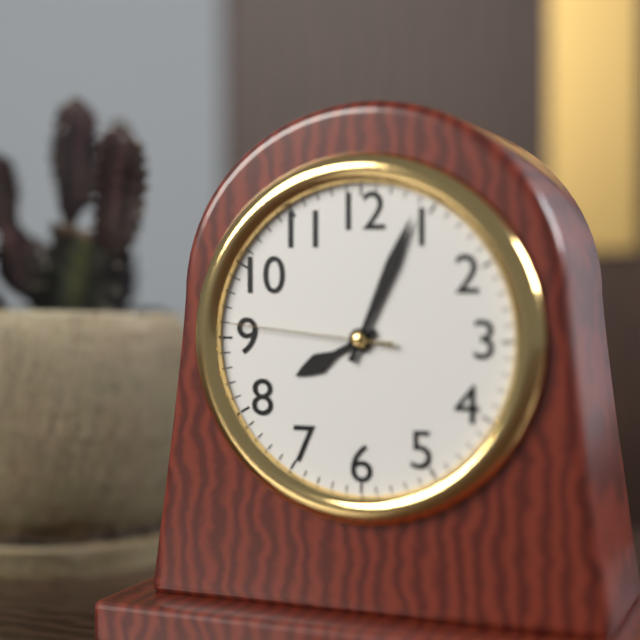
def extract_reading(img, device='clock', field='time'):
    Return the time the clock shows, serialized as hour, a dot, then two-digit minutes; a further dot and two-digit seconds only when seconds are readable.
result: 8.04.46
